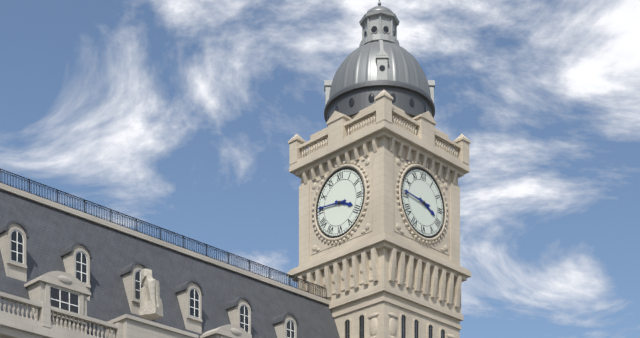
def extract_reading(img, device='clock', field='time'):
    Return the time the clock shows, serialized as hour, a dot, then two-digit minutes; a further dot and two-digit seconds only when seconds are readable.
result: 3.46
